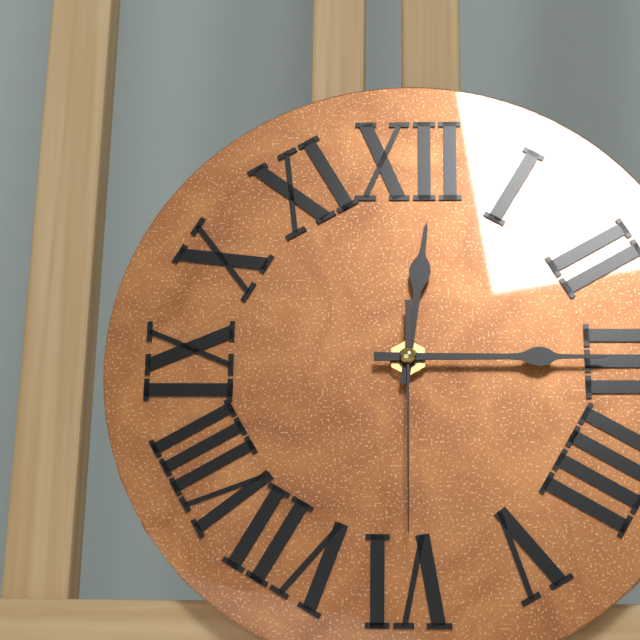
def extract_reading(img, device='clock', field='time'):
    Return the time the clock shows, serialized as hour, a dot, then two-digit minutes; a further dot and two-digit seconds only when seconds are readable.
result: 12.15.30
